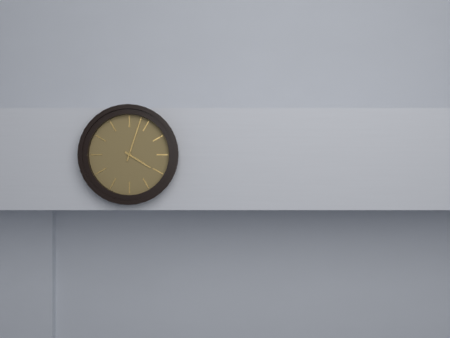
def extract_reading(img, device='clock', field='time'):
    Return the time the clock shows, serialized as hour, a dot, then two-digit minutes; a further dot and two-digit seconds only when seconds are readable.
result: 4.03
